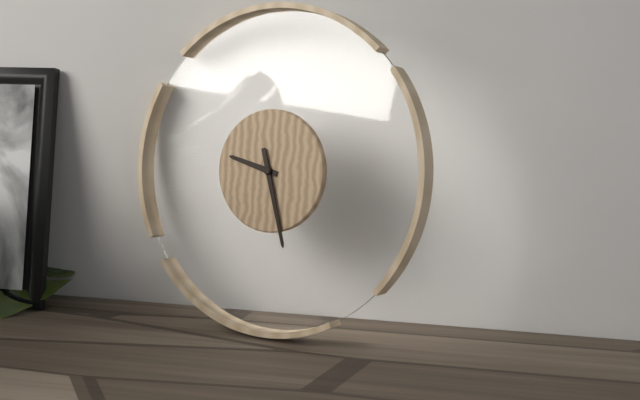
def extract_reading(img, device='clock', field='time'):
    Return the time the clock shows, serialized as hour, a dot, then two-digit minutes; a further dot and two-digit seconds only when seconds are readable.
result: 9.27
